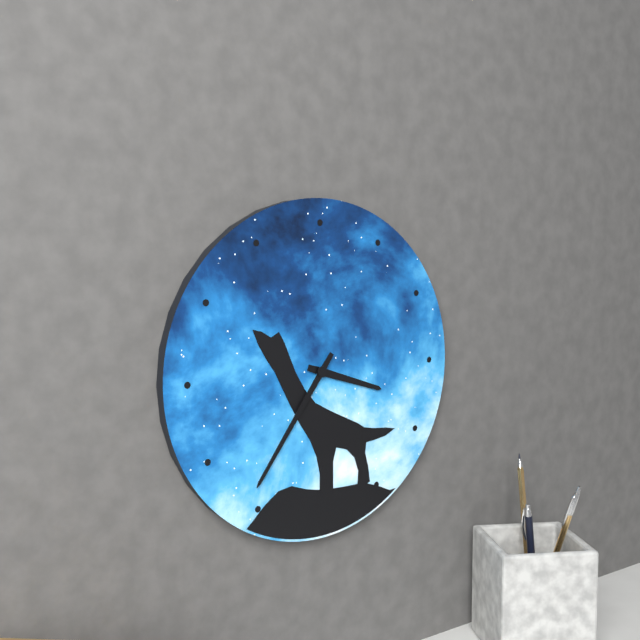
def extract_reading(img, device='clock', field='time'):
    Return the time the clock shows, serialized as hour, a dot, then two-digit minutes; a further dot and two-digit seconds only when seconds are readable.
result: 3.36
